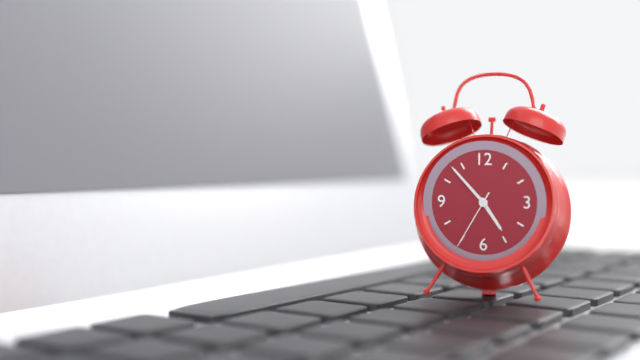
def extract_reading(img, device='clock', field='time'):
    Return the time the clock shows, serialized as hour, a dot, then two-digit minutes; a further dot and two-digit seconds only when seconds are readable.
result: 4.53.35
